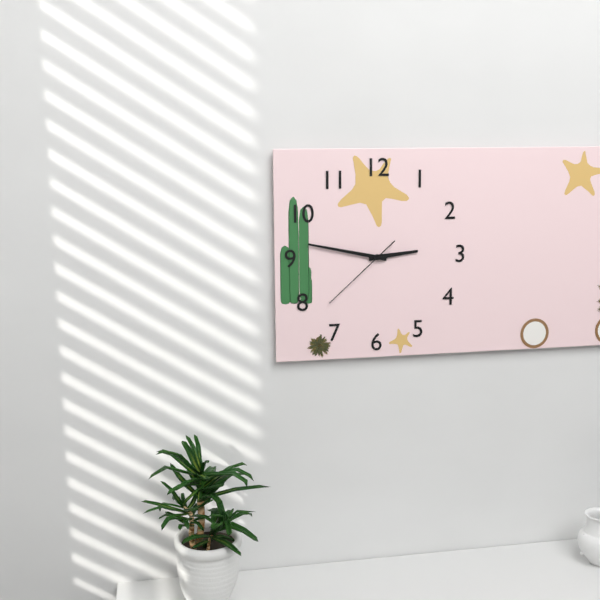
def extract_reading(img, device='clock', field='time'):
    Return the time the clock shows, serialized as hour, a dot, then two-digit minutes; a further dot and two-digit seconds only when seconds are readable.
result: 2.47.38
